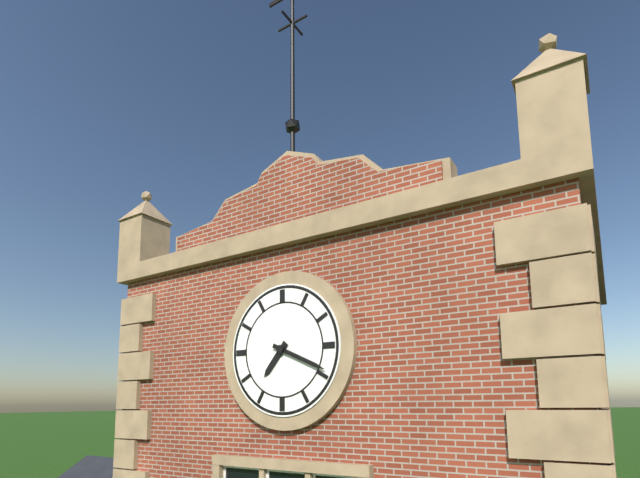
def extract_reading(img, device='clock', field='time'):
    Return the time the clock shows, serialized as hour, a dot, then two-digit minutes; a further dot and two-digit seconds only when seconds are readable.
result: 7.19
